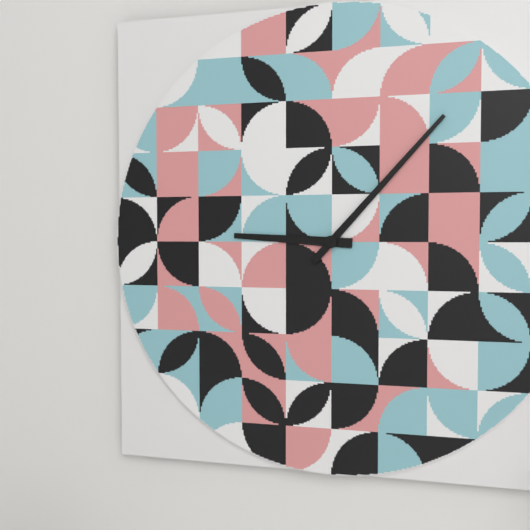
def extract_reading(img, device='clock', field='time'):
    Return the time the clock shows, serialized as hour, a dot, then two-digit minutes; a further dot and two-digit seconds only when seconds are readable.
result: 9.07
